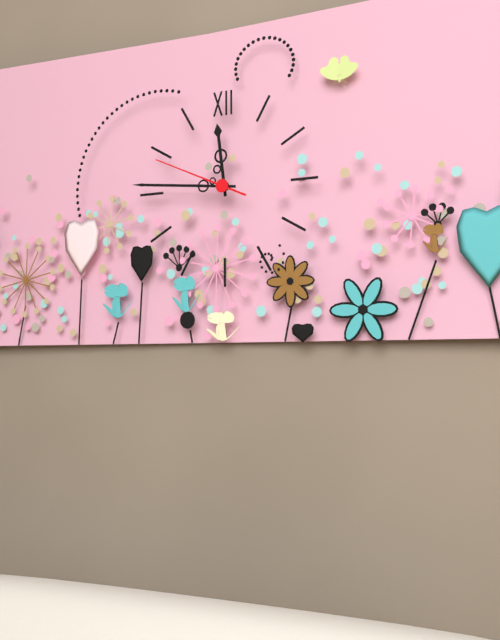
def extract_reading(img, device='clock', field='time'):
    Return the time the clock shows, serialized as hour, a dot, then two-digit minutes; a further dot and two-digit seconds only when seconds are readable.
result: 11.46.49
